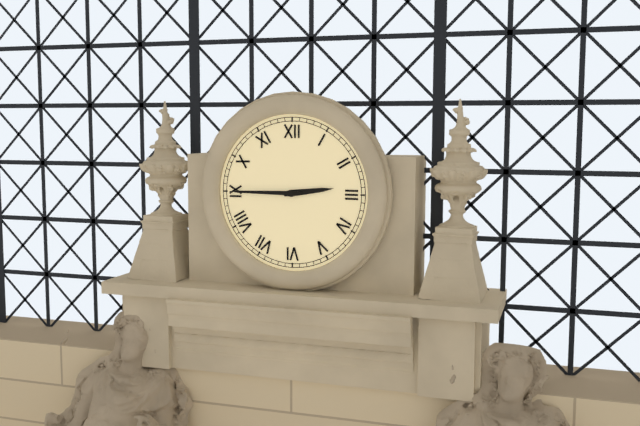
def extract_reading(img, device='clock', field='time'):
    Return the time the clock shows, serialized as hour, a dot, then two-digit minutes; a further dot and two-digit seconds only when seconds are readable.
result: 2.45
